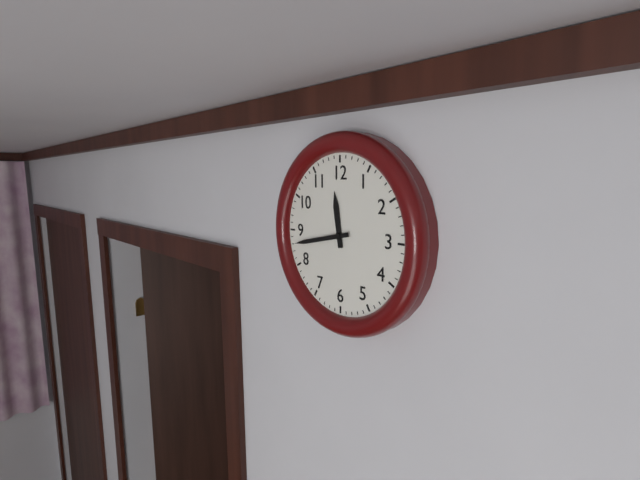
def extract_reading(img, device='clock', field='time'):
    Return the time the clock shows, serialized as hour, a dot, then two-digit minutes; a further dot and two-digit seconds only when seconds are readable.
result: 11.43
